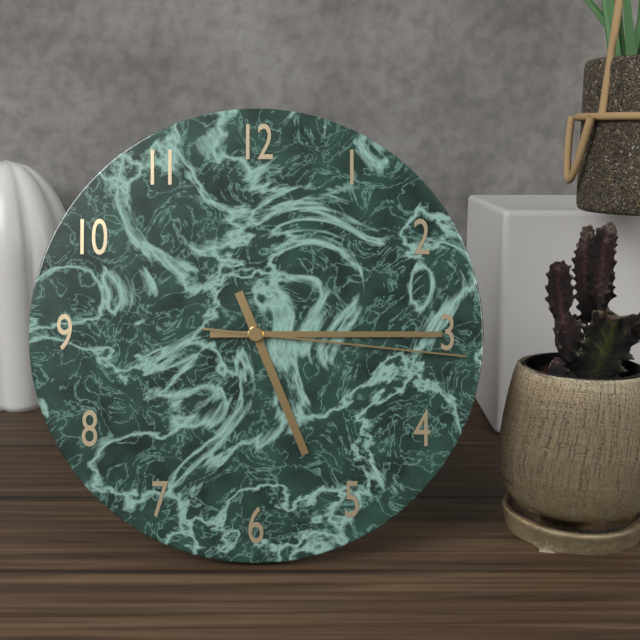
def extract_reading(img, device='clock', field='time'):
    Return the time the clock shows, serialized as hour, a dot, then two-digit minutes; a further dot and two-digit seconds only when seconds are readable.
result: 5.15.16
